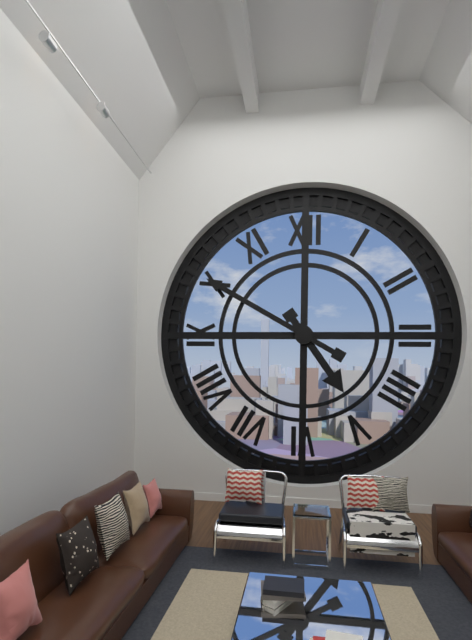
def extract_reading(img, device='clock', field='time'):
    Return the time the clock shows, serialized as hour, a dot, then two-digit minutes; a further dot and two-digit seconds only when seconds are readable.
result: 4.50
